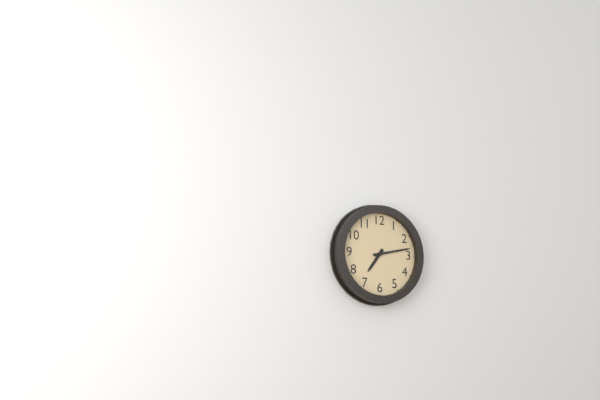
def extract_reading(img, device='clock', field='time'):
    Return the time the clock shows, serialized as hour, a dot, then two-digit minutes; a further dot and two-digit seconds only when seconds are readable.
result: 7.13
